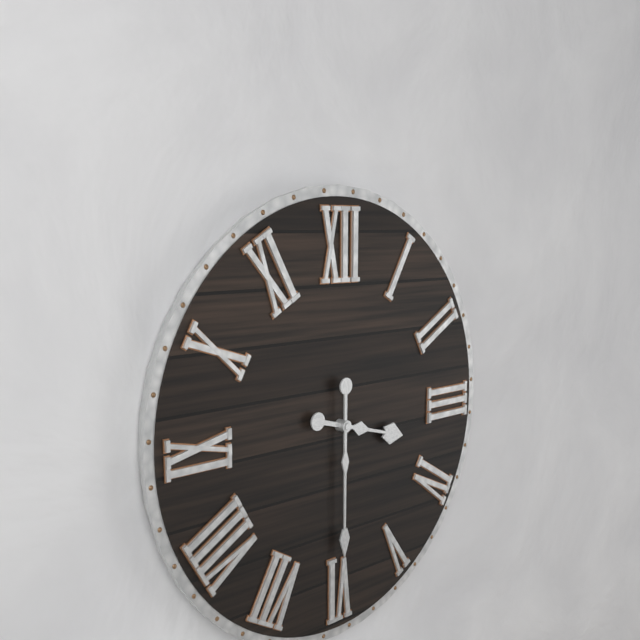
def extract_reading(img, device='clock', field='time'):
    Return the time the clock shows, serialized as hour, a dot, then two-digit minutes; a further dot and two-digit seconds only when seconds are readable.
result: 3.30
